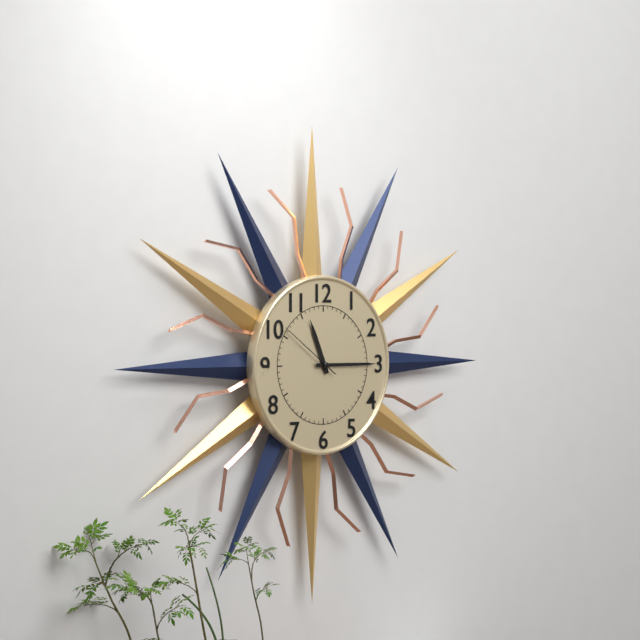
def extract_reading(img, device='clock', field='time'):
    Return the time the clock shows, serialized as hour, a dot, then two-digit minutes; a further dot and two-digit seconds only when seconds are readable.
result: 11.15.51
